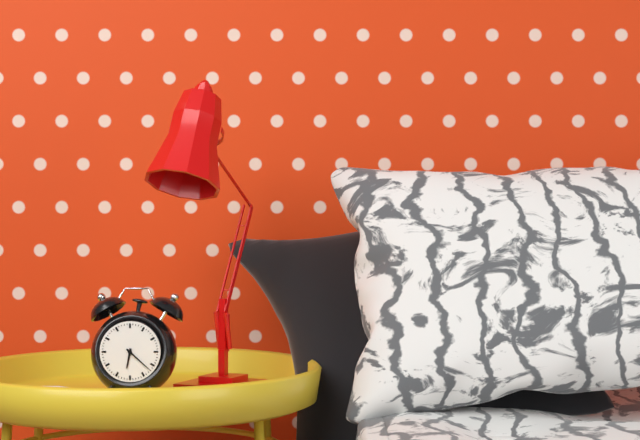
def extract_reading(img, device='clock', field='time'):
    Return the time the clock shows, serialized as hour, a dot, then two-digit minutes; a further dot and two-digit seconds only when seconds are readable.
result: 6.22
